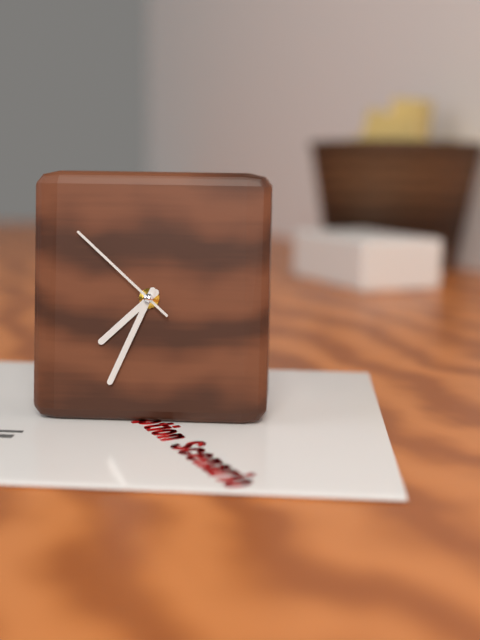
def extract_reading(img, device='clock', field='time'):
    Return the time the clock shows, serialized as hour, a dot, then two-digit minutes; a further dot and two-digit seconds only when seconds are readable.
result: 7.34.52
